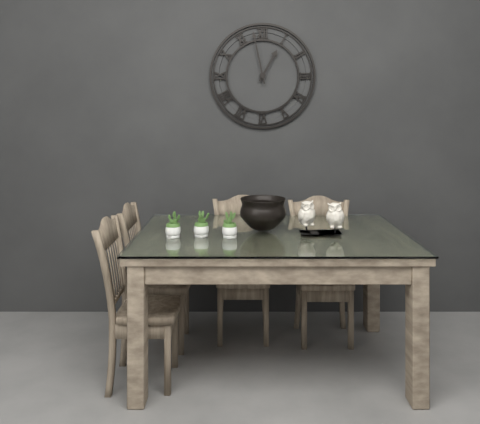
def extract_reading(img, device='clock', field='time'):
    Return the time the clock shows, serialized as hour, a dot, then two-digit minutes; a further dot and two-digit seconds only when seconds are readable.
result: 12.58
